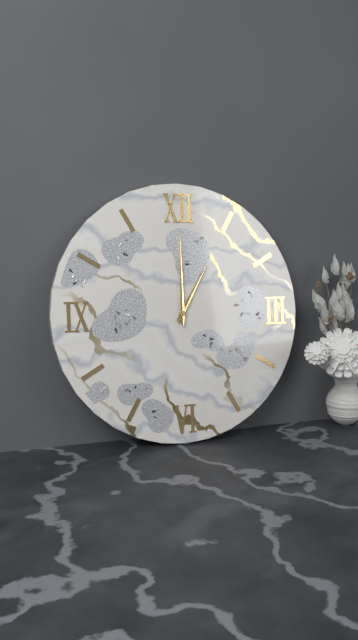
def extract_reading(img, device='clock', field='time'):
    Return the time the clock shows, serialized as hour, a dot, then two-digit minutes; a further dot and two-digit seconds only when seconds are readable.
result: 1.00
